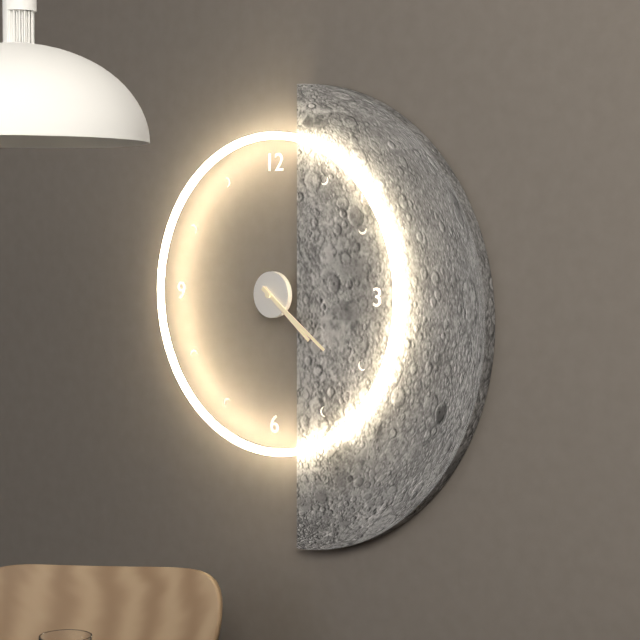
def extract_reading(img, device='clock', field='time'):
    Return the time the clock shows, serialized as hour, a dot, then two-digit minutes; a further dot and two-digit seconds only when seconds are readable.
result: 4.21
